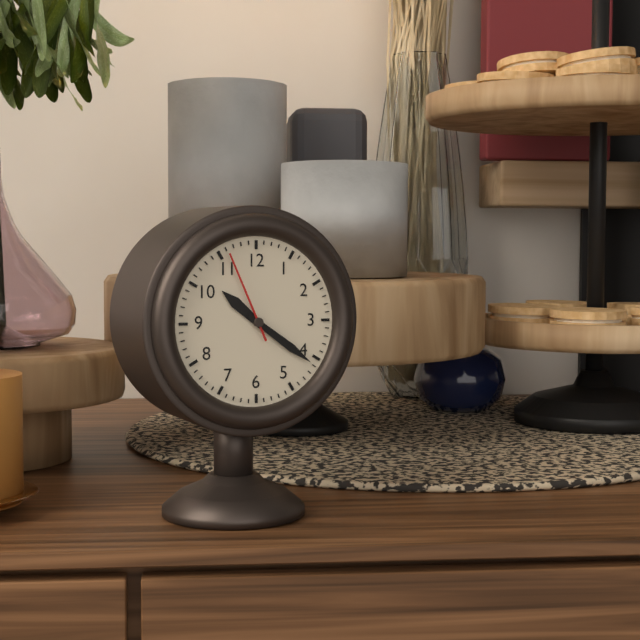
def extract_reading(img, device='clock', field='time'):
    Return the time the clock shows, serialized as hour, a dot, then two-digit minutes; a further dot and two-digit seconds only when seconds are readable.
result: 10.21.56
